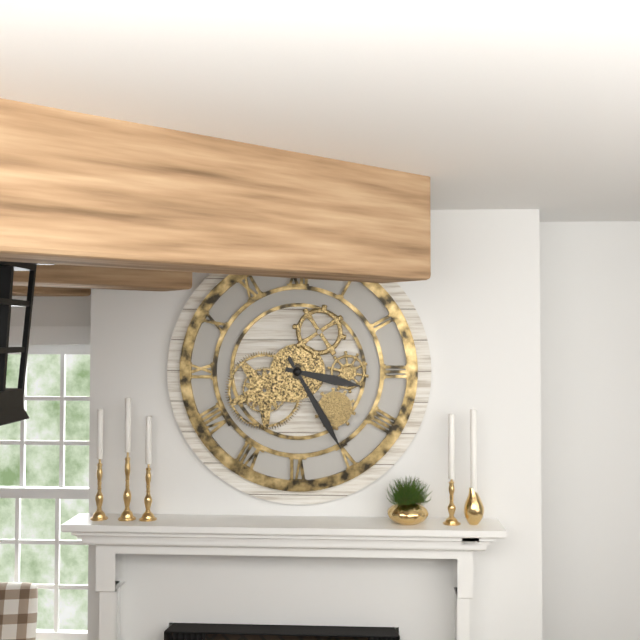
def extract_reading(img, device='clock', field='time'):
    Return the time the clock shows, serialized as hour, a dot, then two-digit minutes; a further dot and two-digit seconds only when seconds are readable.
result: 3.25
